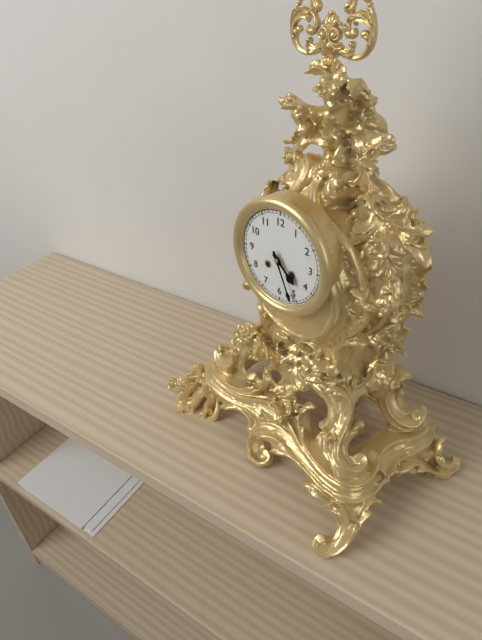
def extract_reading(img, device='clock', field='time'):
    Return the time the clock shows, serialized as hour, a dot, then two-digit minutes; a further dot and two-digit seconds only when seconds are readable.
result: 4.26
